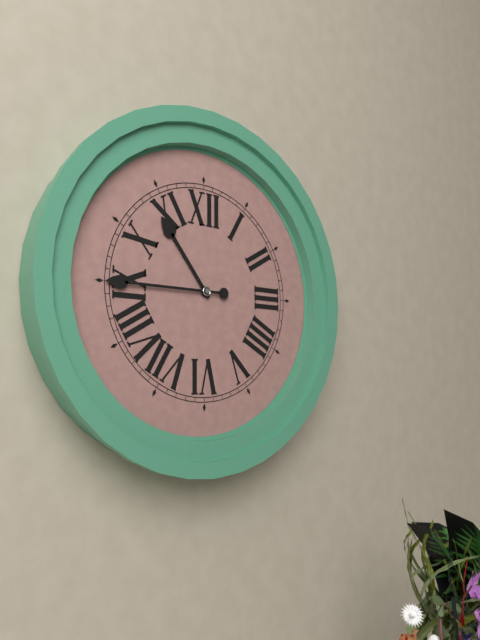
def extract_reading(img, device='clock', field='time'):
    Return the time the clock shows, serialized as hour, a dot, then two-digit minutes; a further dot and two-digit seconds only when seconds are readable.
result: 10.45
